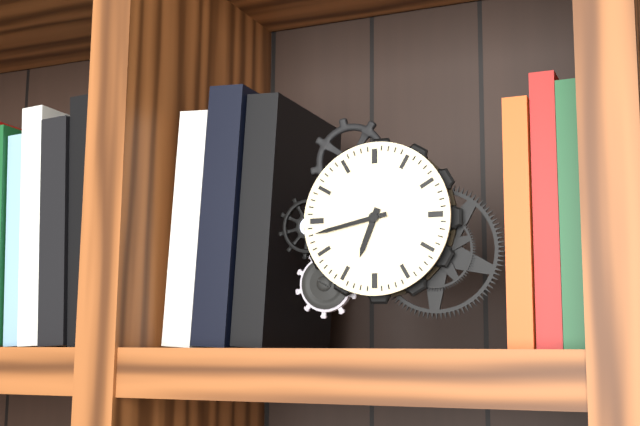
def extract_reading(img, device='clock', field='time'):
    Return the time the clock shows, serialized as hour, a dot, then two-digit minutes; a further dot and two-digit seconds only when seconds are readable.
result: 6.43
